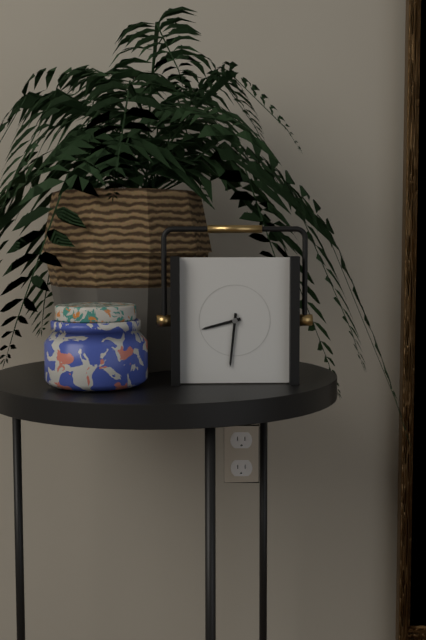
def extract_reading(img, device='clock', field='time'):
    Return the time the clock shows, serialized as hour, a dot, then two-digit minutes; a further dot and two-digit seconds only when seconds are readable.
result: 8.31
